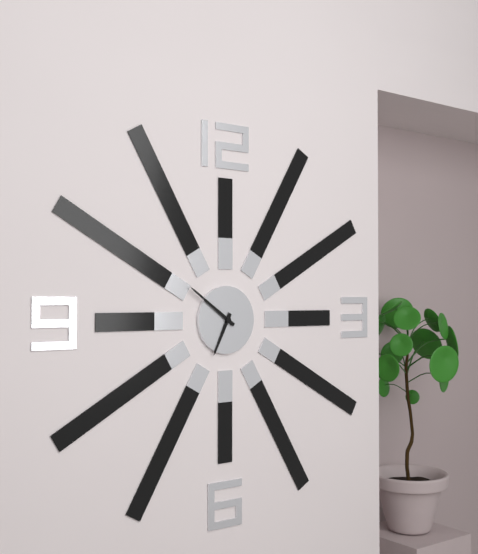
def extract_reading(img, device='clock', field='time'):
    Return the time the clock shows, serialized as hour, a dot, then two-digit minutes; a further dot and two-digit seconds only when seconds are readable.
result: 6.51
